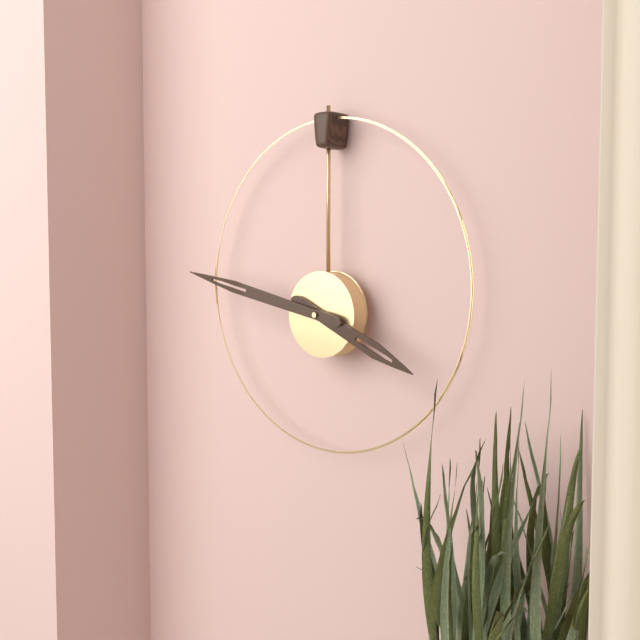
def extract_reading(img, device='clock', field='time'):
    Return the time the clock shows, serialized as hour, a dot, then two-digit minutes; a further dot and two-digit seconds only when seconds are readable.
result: 3.47
